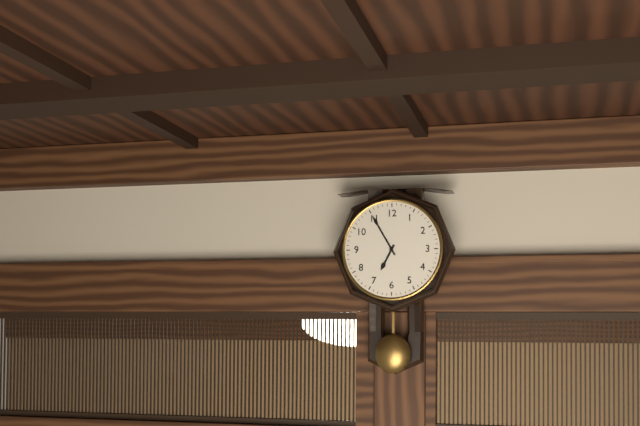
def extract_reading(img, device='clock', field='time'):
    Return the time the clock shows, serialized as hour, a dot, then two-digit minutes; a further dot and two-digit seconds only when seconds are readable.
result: 6.55
